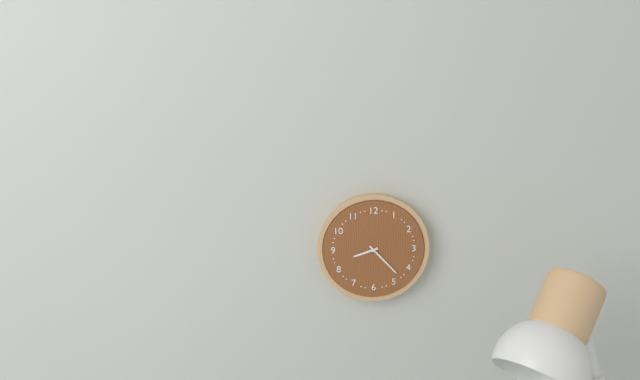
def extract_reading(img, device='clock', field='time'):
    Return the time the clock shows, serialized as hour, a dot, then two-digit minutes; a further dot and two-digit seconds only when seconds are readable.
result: 8.23
